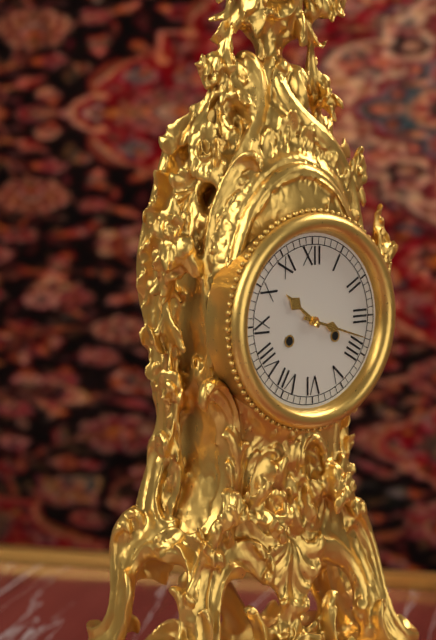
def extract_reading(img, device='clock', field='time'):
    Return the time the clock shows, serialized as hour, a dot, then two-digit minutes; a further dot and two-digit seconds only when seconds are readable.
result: 10.18
